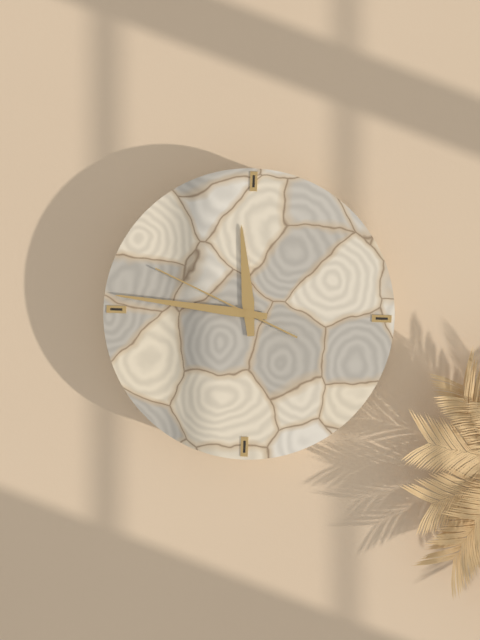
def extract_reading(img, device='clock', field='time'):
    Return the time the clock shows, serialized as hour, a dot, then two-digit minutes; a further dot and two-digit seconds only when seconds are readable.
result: 11.46.49
